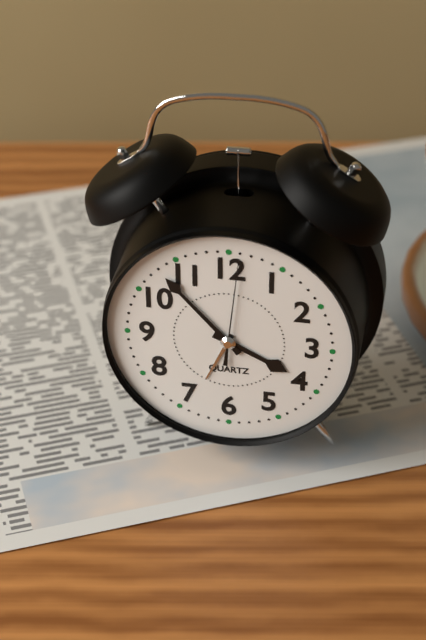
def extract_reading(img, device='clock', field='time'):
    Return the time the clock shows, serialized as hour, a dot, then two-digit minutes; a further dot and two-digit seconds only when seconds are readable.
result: 3.53.01
